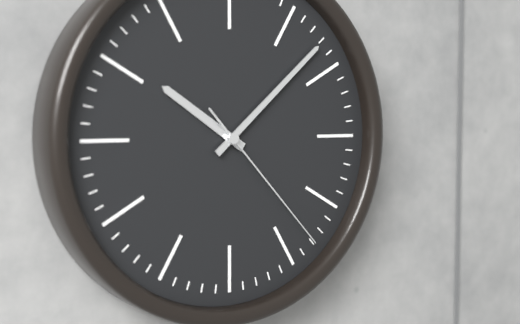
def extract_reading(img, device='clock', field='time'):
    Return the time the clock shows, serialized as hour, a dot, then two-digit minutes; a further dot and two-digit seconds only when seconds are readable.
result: 10.08.23
